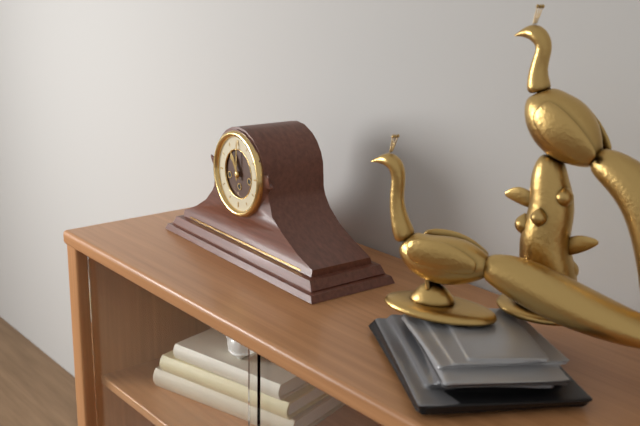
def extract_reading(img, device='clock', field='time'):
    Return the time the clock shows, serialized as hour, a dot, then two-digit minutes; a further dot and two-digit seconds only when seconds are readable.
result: 11.00
